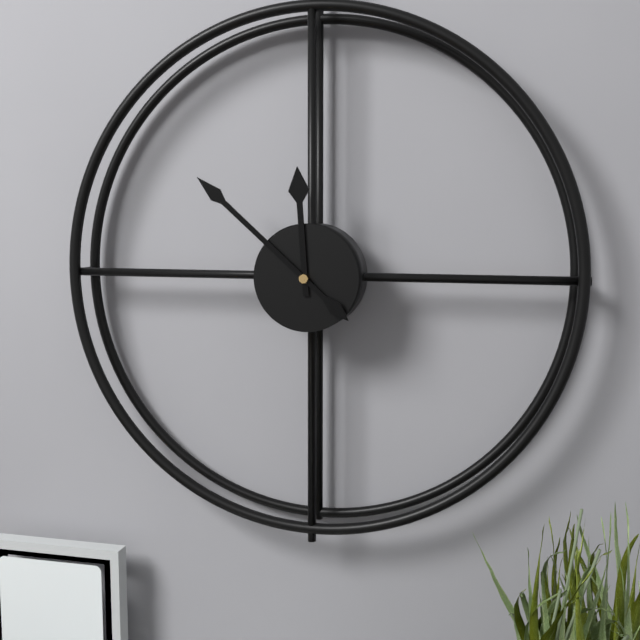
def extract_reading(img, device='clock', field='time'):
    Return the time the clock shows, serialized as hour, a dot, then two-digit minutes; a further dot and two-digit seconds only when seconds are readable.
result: 11.52
